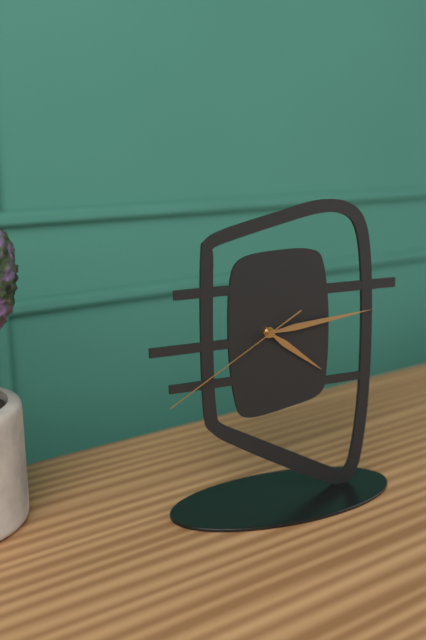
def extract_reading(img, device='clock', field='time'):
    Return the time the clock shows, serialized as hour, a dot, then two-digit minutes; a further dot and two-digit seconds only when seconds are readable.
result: 4.14.40
